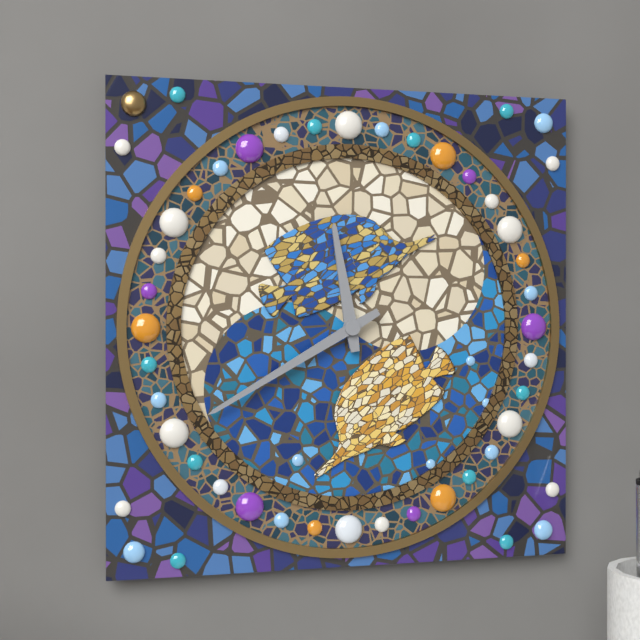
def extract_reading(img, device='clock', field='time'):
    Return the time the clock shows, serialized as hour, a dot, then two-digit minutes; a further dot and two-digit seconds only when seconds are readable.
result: 11.40
